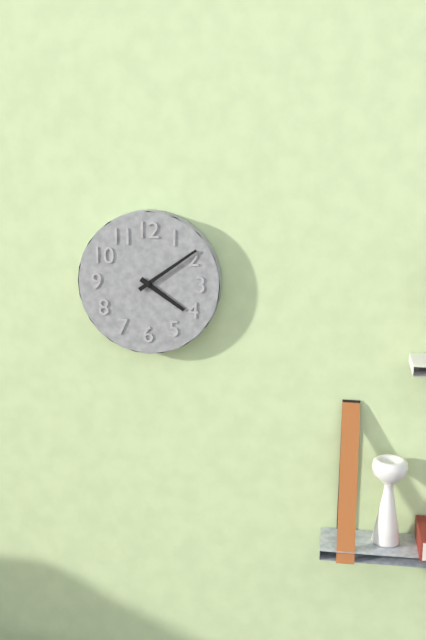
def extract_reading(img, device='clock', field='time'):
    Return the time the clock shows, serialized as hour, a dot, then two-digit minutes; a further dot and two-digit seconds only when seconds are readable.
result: 4.09
